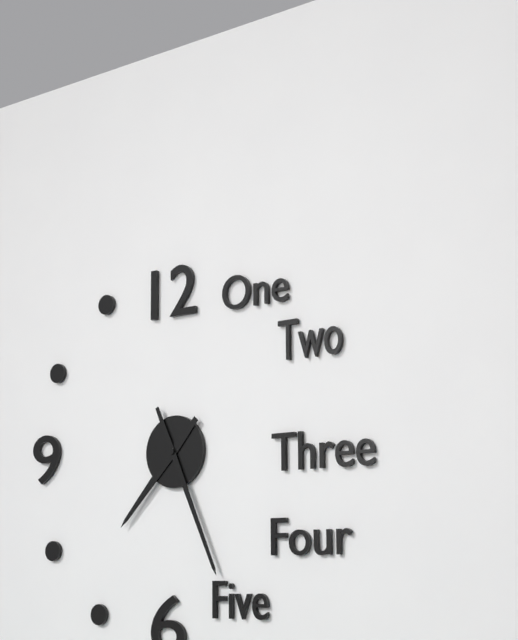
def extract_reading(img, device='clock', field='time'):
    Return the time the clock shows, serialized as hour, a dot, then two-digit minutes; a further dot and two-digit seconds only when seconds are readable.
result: 7.26
